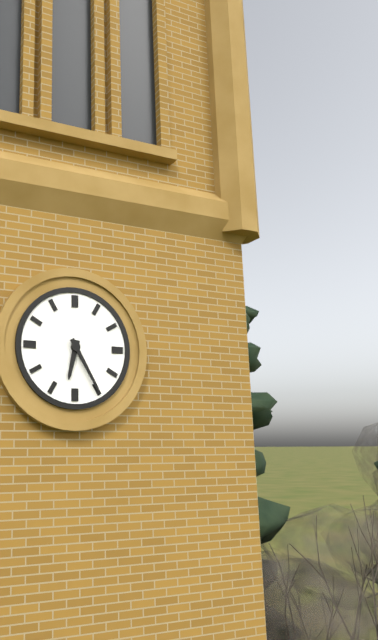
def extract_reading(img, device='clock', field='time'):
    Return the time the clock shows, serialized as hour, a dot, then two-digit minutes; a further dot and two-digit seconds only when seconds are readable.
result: 6.25
